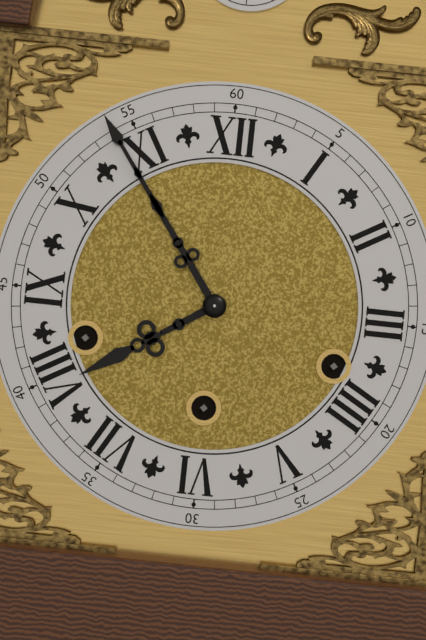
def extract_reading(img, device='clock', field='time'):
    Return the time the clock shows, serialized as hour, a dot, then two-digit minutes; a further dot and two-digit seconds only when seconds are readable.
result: 7.54
